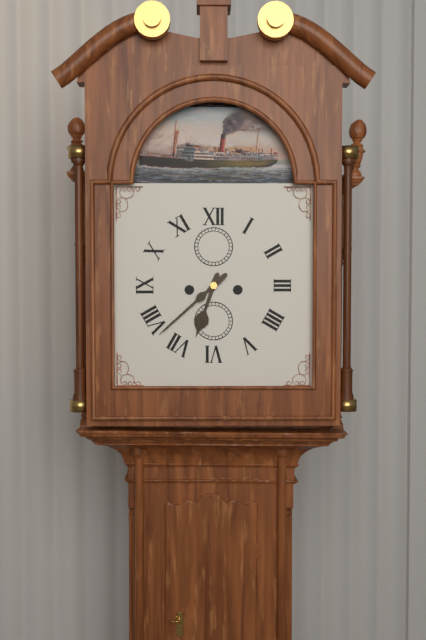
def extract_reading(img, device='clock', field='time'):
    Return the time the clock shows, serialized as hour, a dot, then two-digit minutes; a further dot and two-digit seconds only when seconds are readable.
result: 6.38
